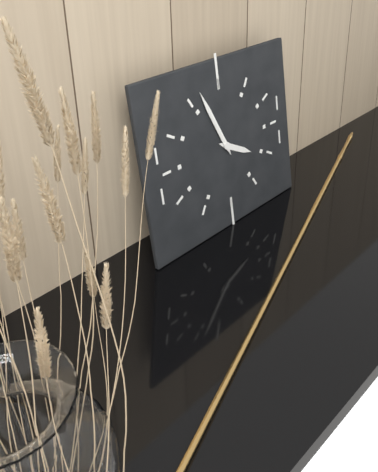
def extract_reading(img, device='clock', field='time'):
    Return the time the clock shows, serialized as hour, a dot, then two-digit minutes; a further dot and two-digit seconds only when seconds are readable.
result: 3.56
